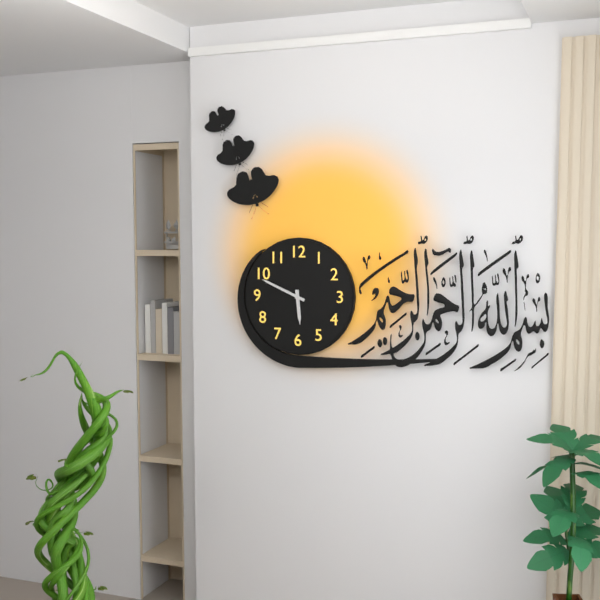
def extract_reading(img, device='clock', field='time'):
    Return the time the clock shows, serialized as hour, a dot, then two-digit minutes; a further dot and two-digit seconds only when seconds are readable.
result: 5.49
